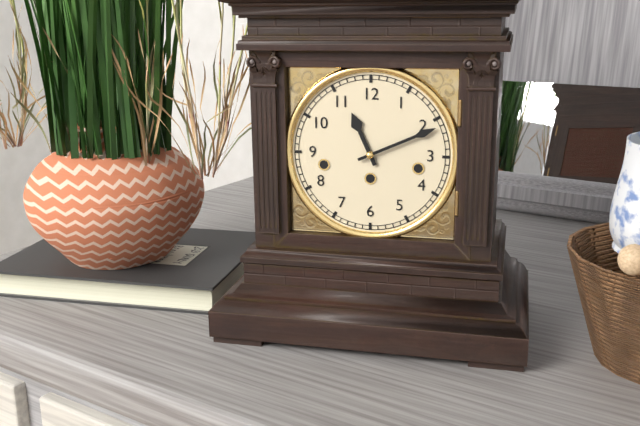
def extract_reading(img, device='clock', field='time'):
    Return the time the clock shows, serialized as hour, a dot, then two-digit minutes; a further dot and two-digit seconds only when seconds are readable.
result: 11.11
